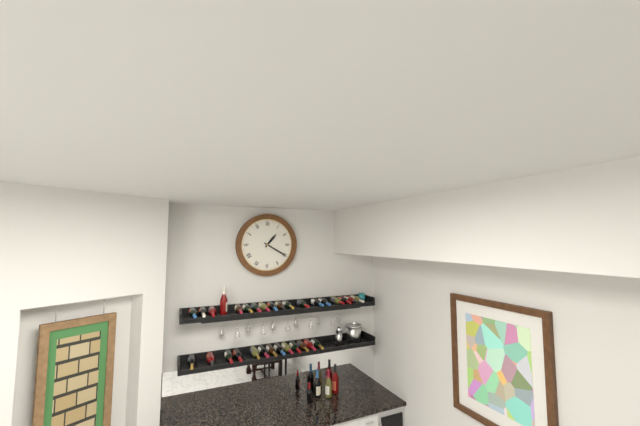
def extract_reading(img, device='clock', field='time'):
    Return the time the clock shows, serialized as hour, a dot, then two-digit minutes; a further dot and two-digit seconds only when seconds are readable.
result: 1.20
